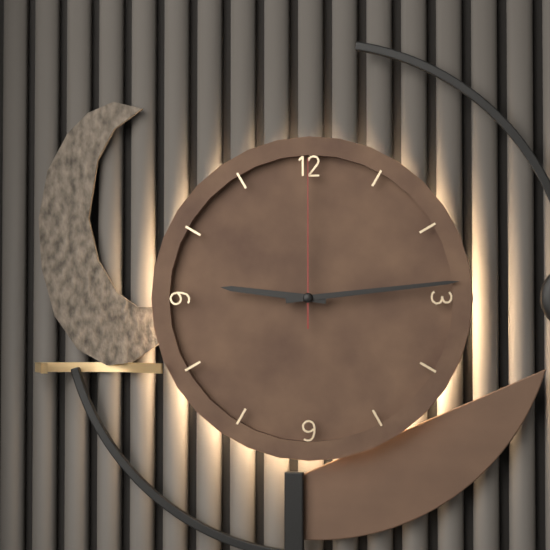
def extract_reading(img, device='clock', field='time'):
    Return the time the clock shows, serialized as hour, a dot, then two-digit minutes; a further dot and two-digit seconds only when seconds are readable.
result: 9.14.00
